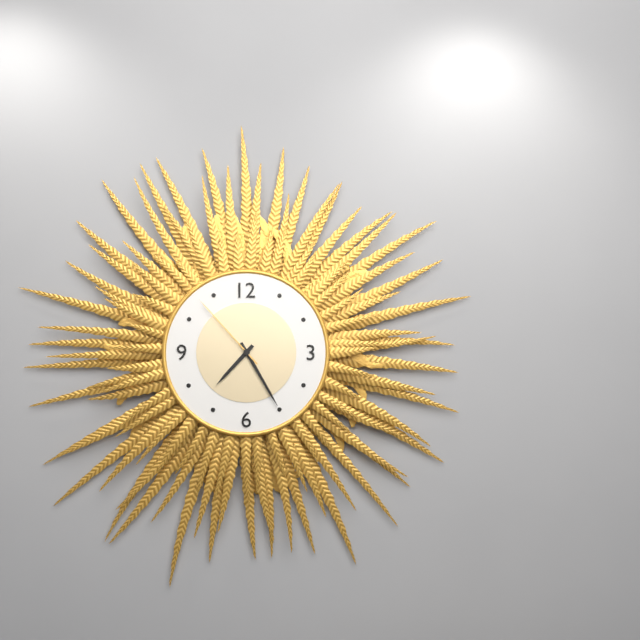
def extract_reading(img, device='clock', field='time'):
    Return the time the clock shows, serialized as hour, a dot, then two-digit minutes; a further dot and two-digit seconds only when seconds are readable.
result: 7.25.53
